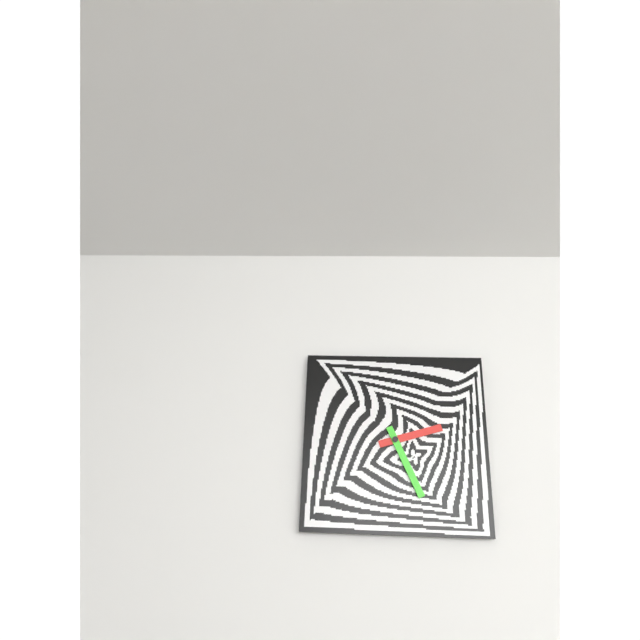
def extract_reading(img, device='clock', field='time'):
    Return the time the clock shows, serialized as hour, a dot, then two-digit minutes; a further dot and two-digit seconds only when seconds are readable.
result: 2.26
